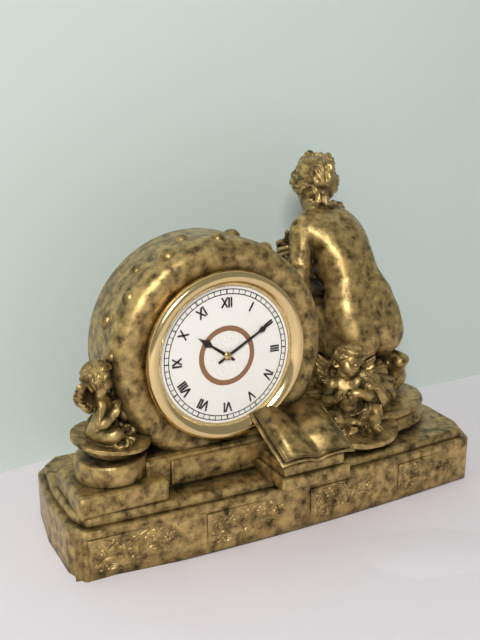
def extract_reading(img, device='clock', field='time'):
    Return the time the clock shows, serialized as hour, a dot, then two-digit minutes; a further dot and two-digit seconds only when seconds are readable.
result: 10.10
